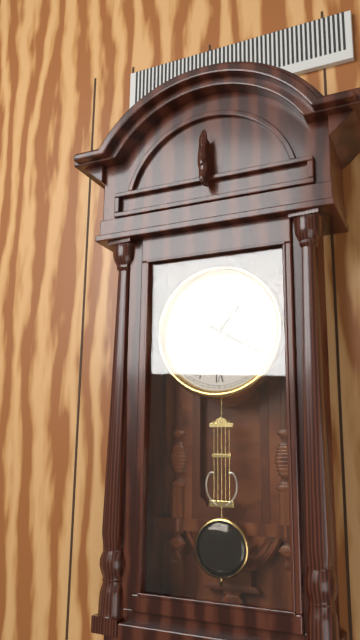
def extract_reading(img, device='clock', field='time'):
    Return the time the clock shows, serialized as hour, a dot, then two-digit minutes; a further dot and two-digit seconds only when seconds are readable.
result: 1.20
